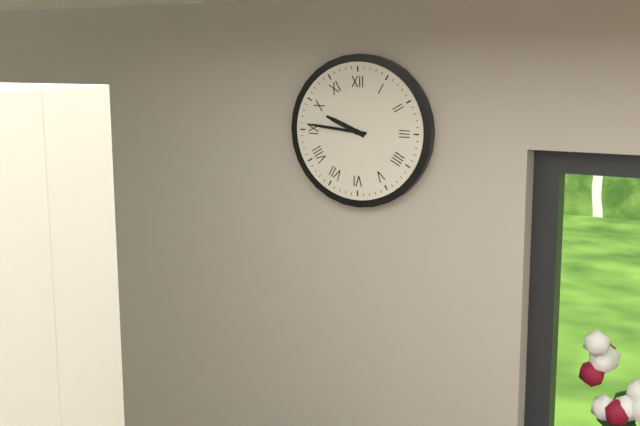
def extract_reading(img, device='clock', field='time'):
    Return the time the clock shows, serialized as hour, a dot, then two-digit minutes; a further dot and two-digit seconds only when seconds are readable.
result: 9.46
